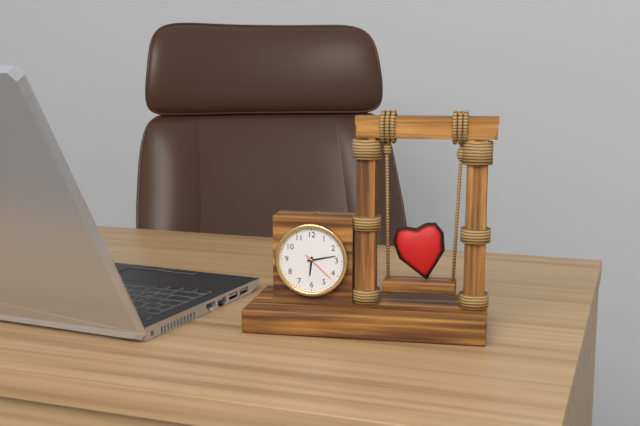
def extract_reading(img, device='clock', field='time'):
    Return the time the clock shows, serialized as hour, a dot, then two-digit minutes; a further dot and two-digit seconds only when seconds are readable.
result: 6.13
